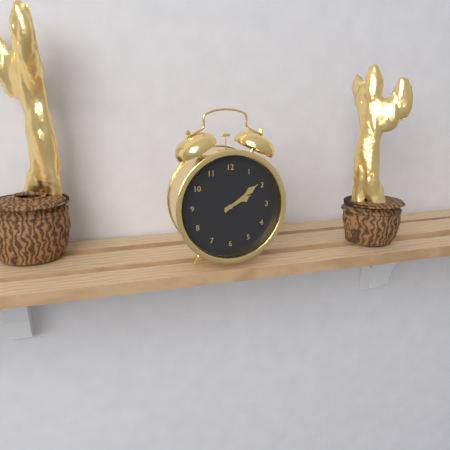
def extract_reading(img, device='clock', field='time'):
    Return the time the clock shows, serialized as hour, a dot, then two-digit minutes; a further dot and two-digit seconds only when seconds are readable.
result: 2.09
